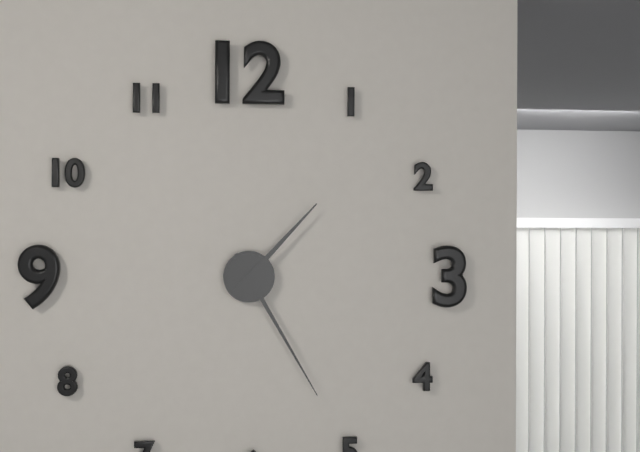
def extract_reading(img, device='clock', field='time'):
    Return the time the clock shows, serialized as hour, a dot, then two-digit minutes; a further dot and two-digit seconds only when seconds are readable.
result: 1.25
